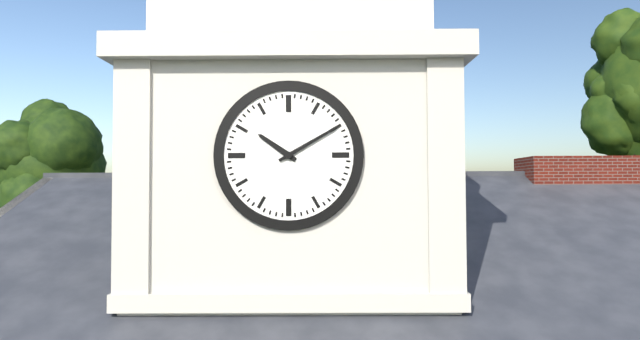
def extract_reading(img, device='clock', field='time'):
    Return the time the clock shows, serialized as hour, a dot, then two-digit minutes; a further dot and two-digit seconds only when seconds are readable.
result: 10.10
